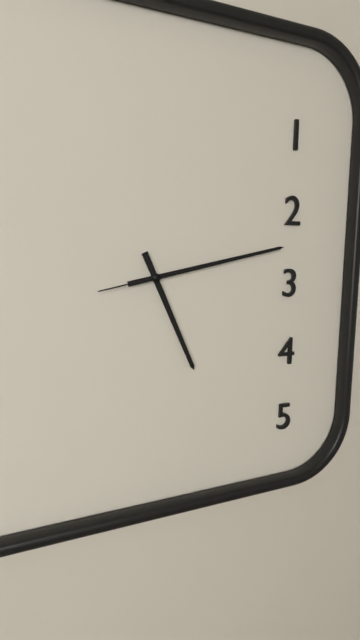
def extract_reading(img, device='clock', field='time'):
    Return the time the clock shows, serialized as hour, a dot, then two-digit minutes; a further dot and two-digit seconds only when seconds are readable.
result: 5.13.43
